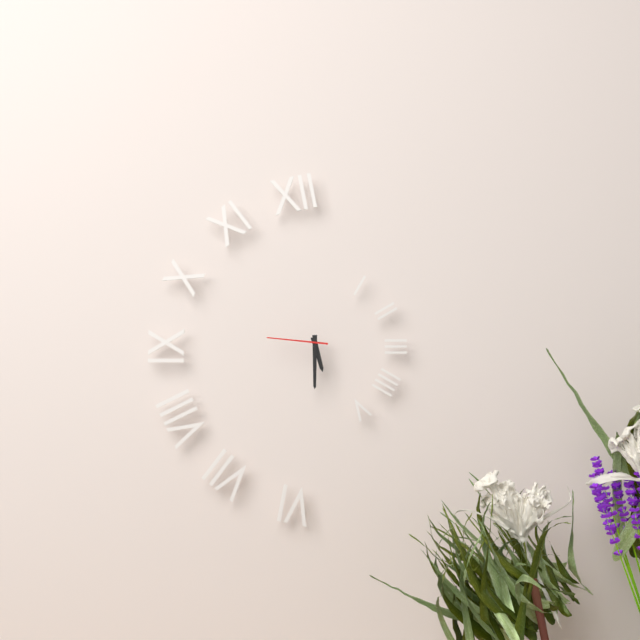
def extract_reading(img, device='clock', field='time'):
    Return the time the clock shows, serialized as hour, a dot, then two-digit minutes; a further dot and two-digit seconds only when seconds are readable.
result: 5.30.46
